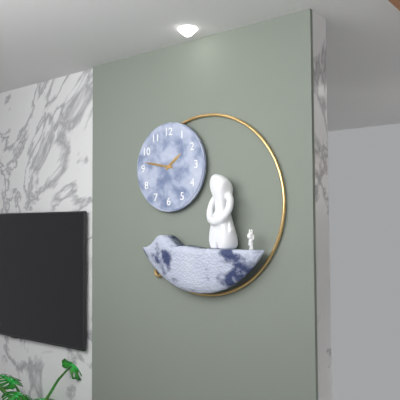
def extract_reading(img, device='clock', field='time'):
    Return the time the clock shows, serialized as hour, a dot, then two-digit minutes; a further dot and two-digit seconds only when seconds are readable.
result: 1.47
